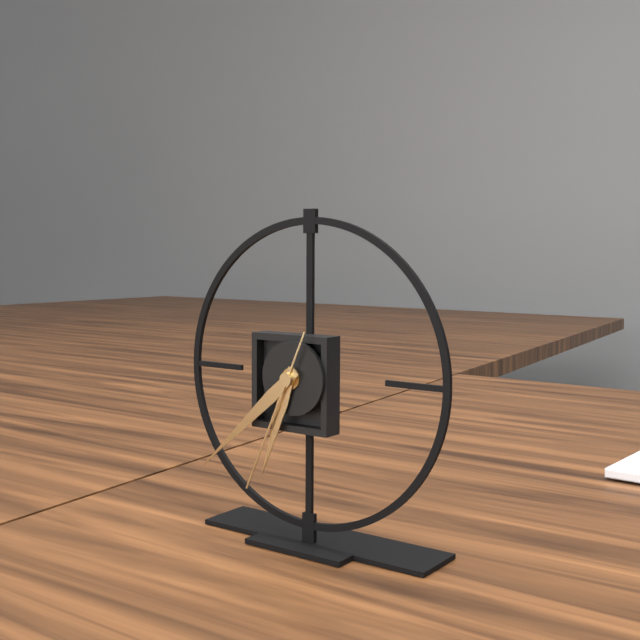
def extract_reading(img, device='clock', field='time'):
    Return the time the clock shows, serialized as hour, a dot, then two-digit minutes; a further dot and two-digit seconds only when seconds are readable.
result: 6.38.34
